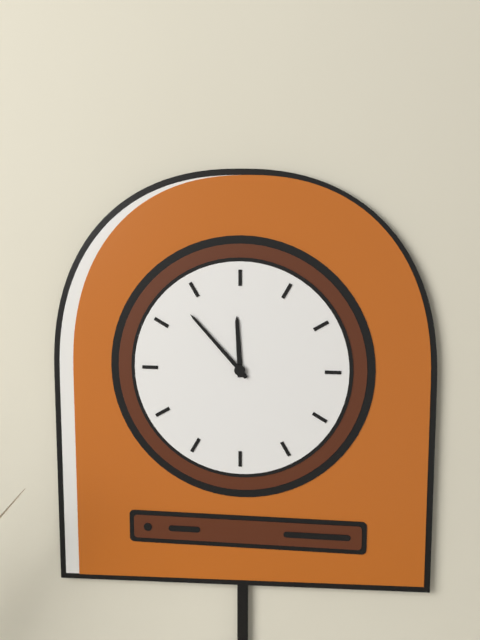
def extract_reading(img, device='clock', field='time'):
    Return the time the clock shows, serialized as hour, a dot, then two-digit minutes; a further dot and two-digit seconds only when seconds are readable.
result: 11.53
